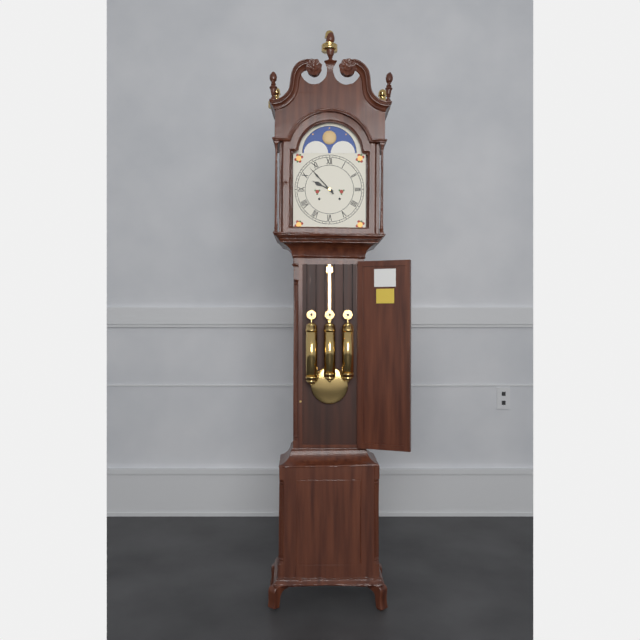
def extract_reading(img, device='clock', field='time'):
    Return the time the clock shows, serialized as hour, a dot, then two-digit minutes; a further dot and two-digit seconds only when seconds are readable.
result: 9.53
